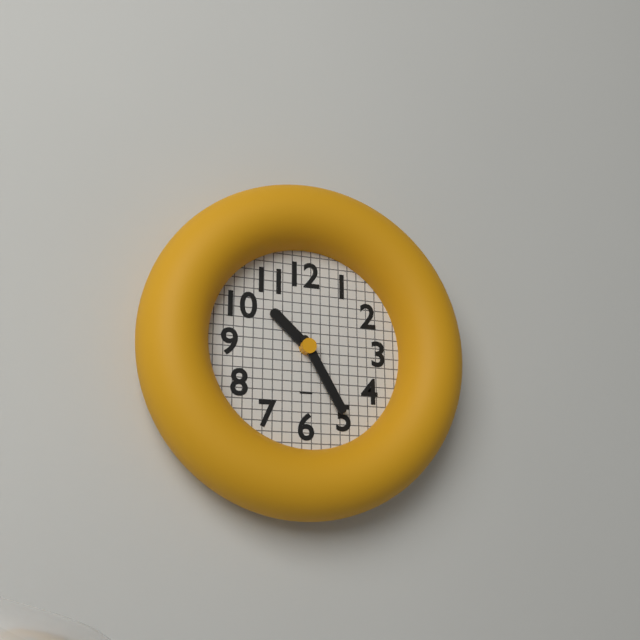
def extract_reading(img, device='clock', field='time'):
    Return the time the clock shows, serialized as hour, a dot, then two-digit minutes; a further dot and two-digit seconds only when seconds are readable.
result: 10.25
